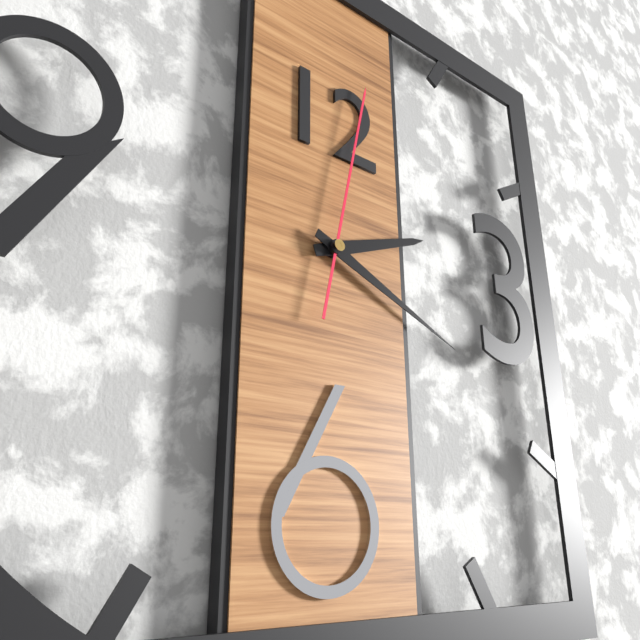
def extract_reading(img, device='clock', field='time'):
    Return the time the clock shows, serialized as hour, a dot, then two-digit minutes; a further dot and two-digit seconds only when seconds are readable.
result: 2.19.02
